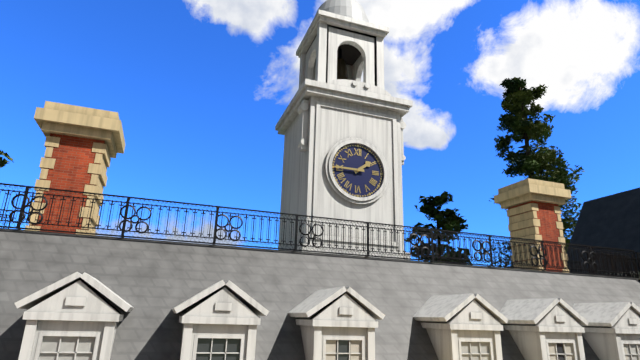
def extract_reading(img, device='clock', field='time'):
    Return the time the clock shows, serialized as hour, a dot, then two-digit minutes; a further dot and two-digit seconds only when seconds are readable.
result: 1.45
